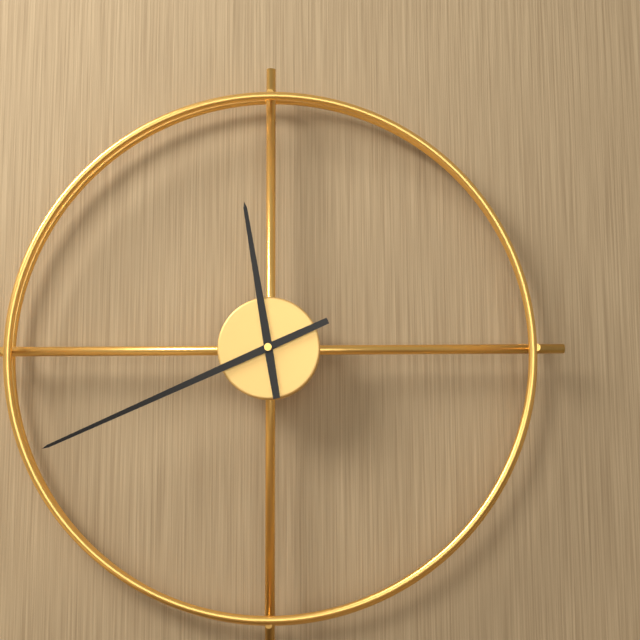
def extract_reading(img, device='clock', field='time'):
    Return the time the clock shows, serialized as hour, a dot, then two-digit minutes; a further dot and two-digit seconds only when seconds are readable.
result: 11.41
